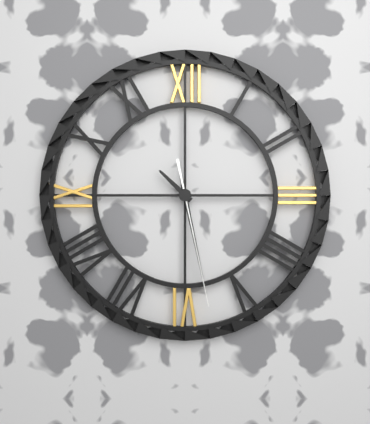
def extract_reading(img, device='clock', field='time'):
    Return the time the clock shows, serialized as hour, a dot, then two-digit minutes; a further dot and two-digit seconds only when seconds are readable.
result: 10.28.28
